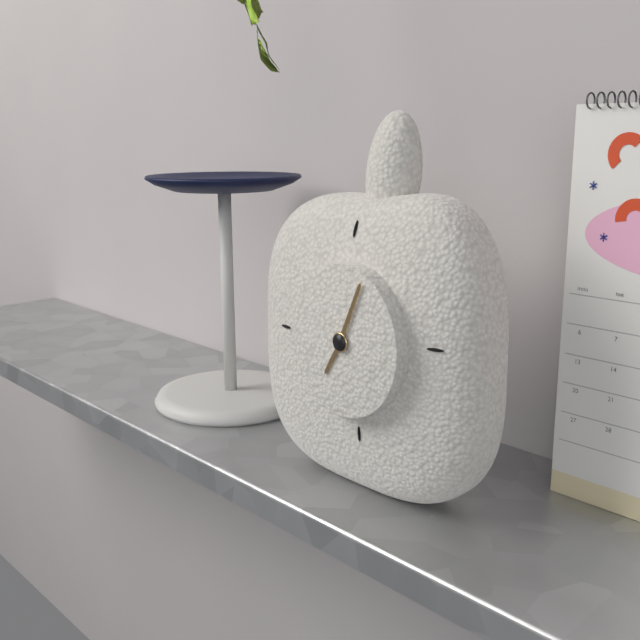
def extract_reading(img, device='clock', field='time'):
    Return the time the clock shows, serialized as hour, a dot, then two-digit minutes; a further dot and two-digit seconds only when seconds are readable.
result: 7.04
